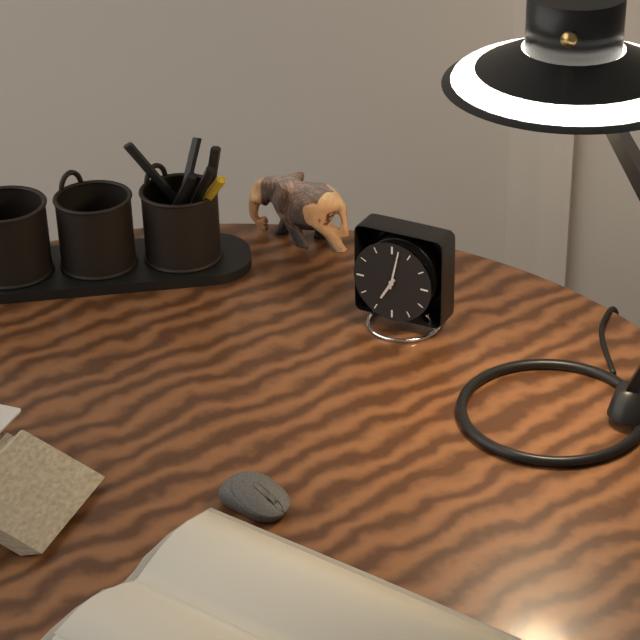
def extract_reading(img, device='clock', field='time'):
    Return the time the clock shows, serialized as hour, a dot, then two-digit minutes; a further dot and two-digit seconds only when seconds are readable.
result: 7.02
